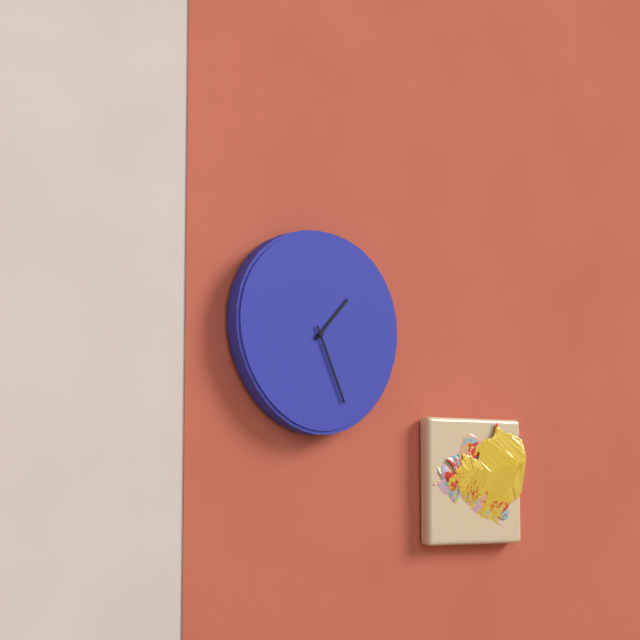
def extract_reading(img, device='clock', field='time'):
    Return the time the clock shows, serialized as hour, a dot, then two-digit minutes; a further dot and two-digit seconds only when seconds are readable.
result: 1.26
